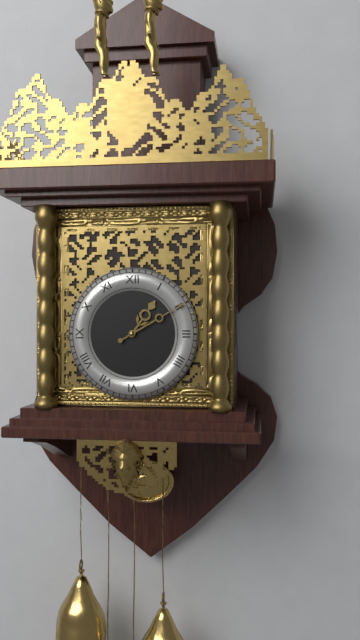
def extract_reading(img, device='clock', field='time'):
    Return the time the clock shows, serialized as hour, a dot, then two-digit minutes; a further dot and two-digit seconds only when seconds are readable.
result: 1.10
